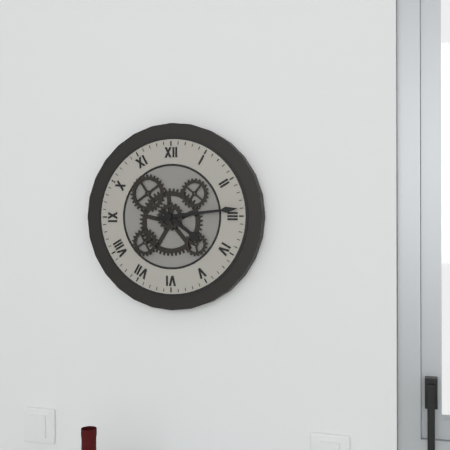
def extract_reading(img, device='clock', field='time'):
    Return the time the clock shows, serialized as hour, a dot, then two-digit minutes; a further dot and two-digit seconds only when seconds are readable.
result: 4.14
